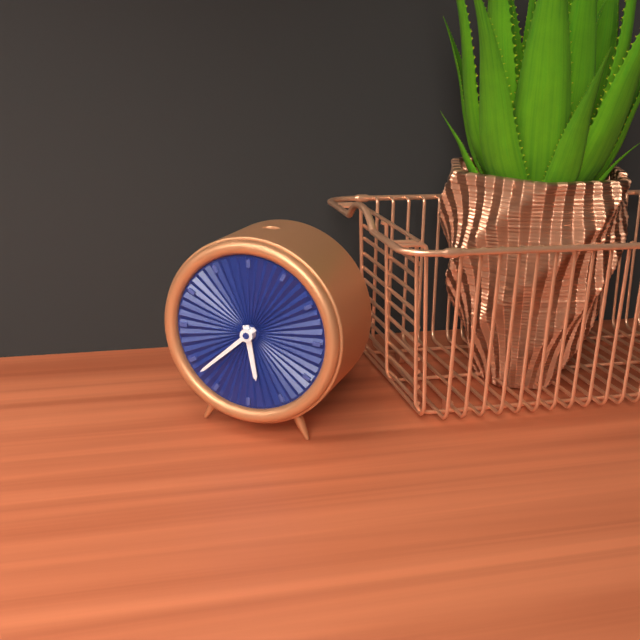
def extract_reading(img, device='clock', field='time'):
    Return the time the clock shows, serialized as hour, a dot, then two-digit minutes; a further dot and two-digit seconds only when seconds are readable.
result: 5.38
